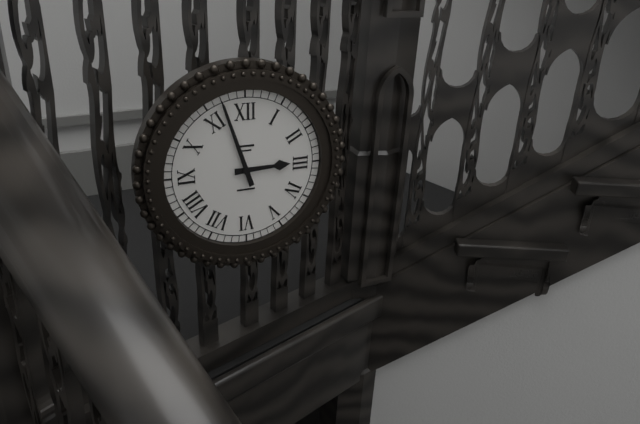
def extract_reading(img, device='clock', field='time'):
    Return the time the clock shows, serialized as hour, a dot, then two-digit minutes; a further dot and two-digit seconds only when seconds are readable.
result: 2.57
